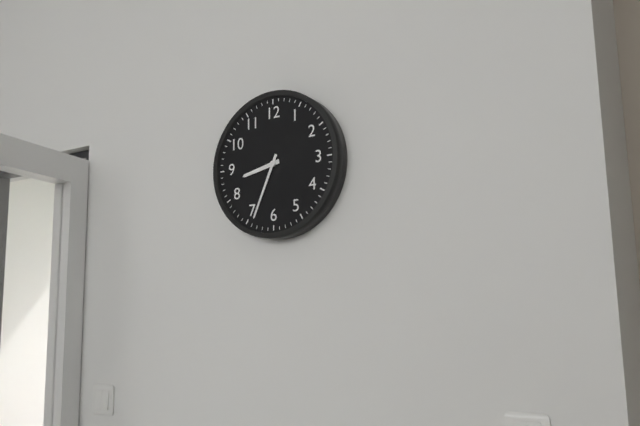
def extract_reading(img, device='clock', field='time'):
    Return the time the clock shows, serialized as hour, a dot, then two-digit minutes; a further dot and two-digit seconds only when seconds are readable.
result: 8.34
